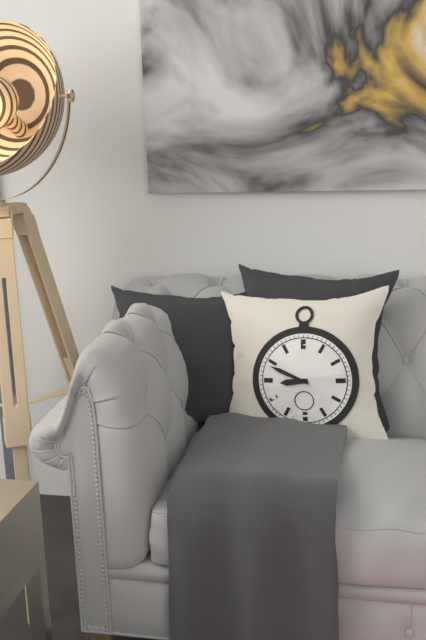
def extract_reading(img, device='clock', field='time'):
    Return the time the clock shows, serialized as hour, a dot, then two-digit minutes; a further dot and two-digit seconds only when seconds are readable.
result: 8.49
